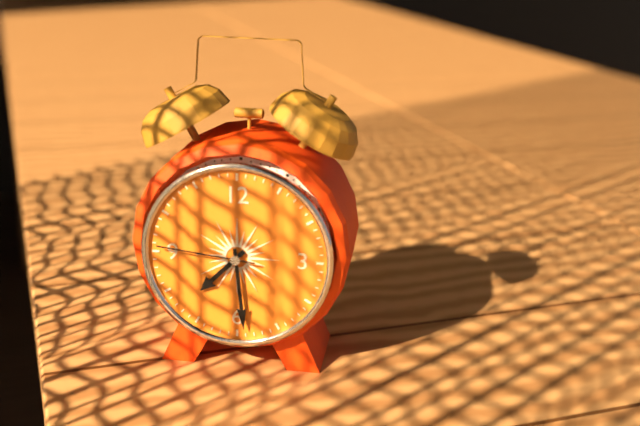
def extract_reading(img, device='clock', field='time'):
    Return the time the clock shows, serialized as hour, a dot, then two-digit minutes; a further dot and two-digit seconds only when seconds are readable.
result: 7.29.46
